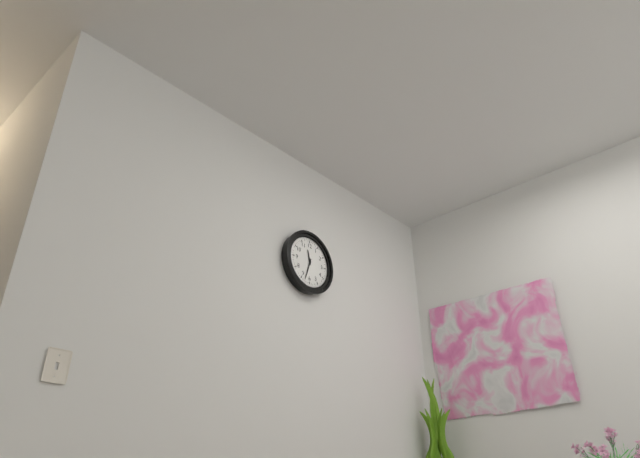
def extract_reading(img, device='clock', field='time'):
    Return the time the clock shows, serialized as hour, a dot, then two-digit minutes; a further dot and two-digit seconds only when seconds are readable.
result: 11.33
